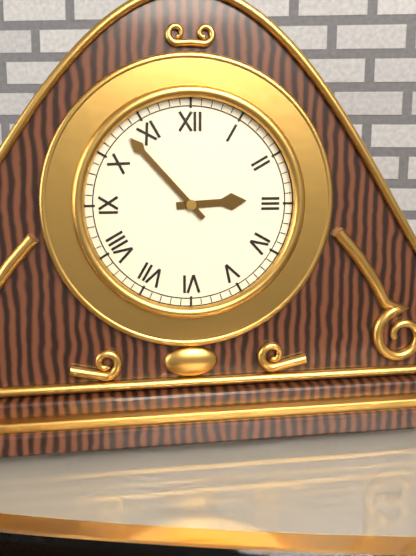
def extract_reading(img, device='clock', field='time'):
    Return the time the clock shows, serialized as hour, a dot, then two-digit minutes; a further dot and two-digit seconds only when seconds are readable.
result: 2.53
